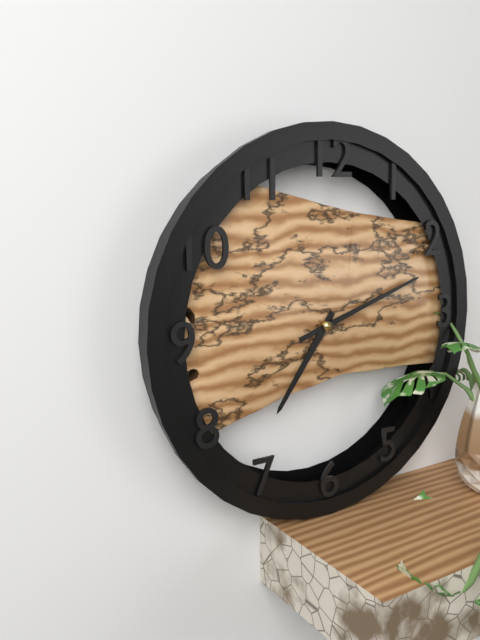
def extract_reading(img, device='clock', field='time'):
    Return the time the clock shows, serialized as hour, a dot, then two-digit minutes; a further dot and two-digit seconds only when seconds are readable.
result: 7.12
